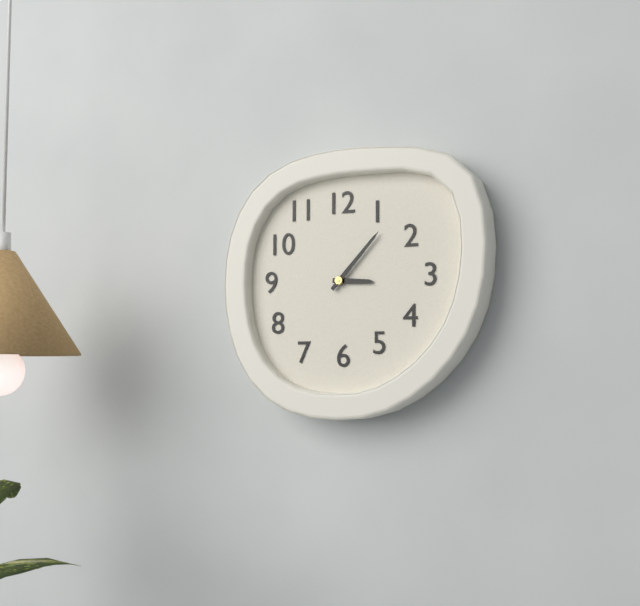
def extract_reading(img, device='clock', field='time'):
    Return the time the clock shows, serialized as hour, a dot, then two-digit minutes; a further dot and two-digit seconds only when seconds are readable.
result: 3.07
